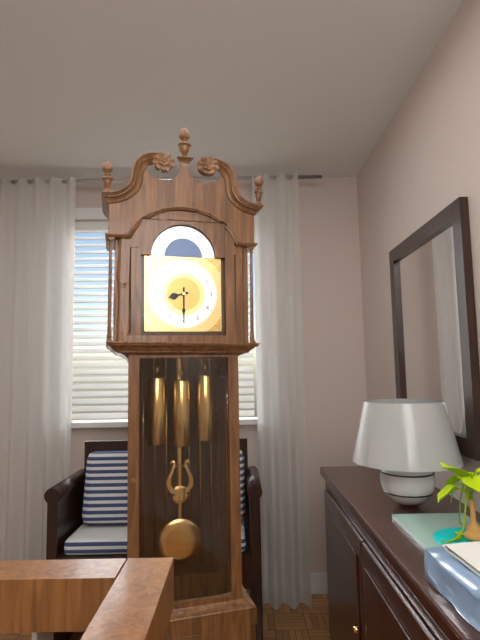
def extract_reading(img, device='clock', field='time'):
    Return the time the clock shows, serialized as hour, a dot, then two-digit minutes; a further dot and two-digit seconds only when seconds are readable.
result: 8.30
